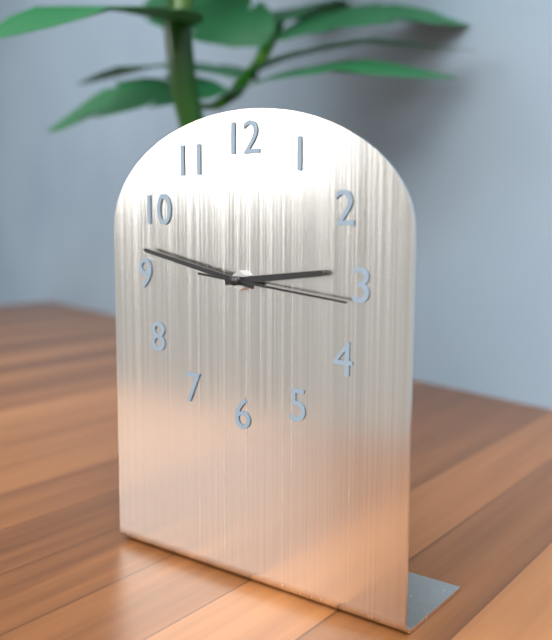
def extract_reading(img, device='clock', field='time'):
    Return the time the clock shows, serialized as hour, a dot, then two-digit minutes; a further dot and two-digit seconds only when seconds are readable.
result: 2.47.16
